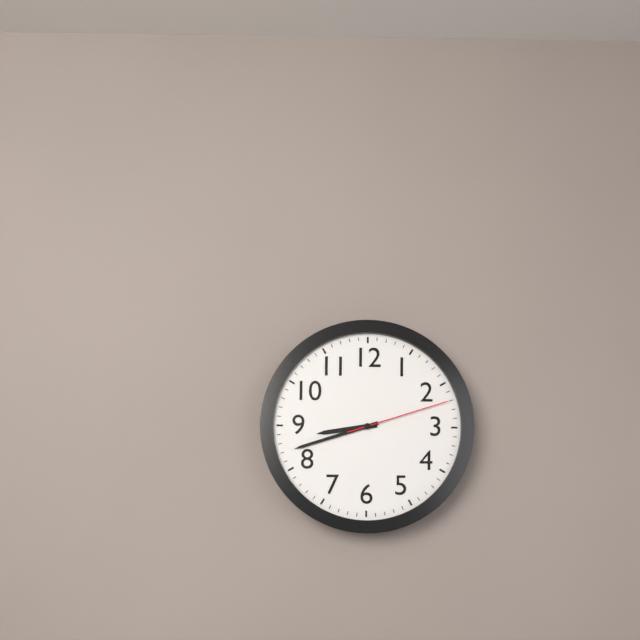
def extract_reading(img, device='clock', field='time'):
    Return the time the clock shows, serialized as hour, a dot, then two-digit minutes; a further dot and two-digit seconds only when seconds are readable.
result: 8.42.12
